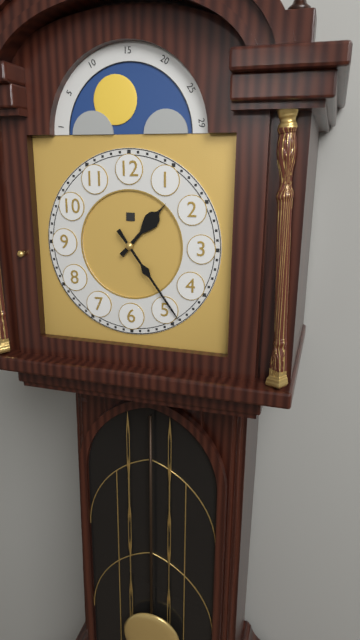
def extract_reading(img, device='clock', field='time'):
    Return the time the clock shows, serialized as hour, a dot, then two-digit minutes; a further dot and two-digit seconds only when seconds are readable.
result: 1.24
